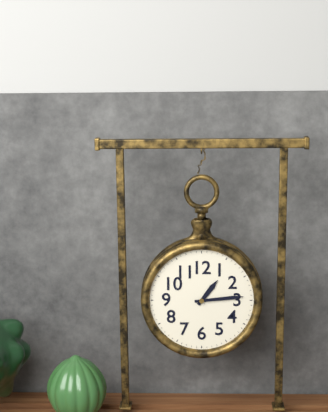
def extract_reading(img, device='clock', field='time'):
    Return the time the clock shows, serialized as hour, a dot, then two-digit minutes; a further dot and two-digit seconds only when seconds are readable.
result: 1.14
